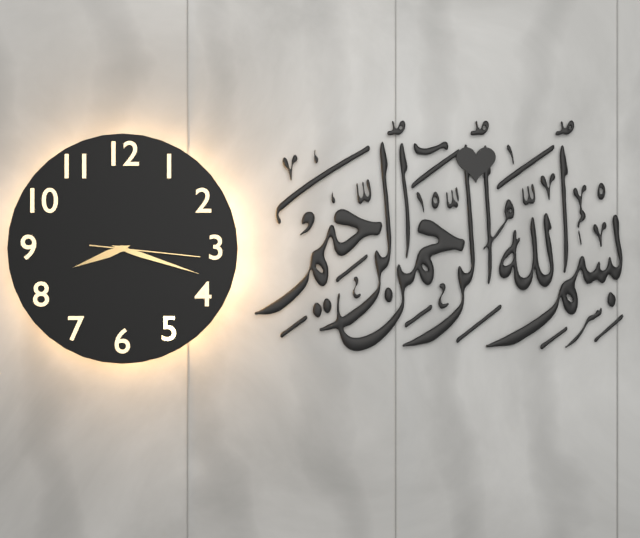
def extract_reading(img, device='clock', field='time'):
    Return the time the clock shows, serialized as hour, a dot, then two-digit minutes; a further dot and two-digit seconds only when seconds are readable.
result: 8.18.16
